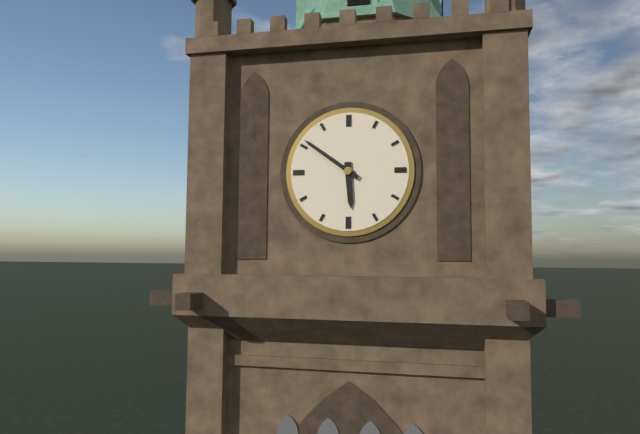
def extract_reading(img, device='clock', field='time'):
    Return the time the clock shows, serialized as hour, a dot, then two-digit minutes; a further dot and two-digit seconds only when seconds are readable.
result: 5.51
